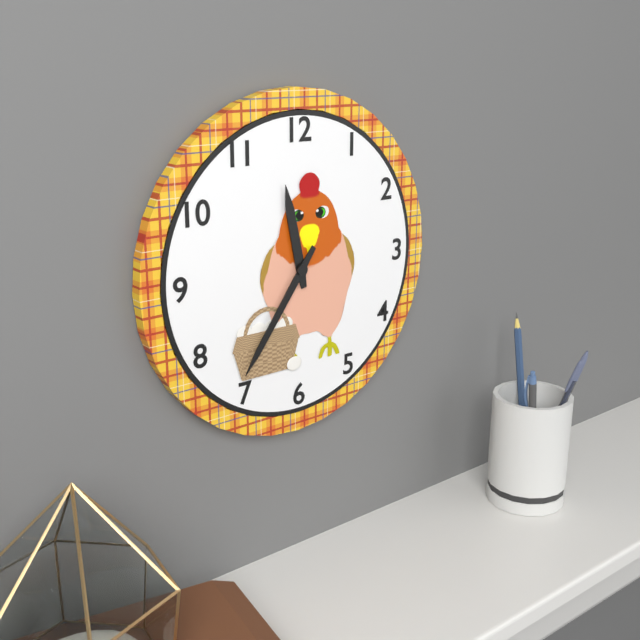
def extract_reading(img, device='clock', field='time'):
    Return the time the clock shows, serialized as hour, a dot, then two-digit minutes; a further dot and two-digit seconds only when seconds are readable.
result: 11.36
